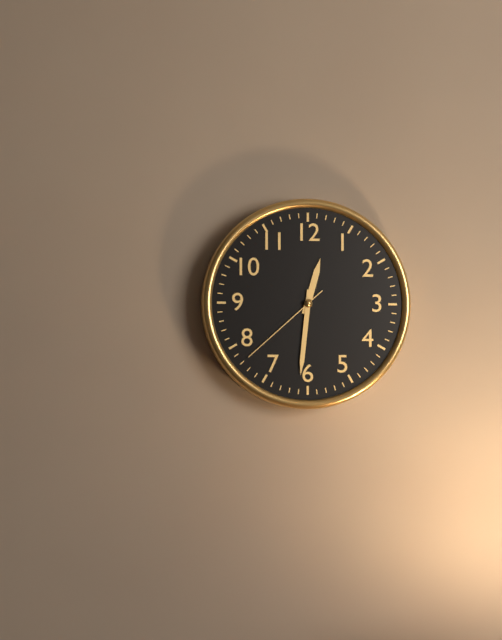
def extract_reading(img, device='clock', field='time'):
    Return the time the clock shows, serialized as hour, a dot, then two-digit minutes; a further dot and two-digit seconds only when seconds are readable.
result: 12.31.38
